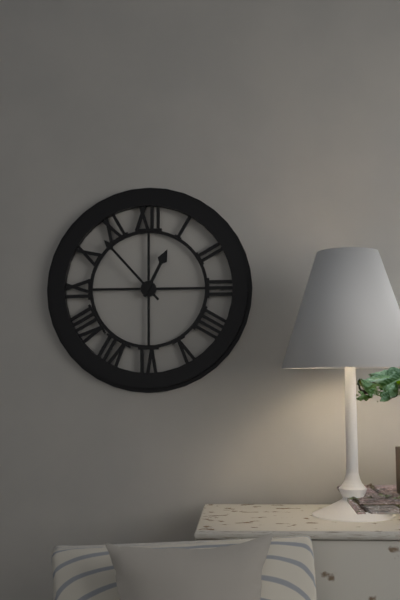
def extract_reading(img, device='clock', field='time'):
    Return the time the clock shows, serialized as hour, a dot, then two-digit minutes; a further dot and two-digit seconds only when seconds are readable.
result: 12.53
